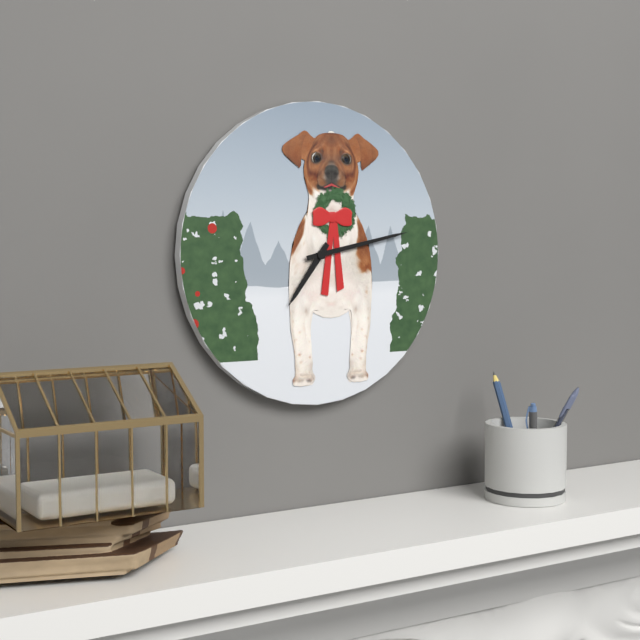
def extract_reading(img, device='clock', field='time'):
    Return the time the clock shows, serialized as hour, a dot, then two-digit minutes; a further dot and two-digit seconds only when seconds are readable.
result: 7.13
